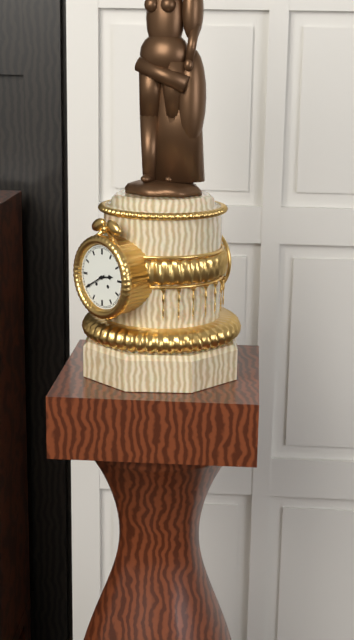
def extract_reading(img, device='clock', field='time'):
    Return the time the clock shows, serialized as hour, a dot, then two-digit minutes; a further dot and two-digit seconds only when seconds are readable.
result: 2.40
